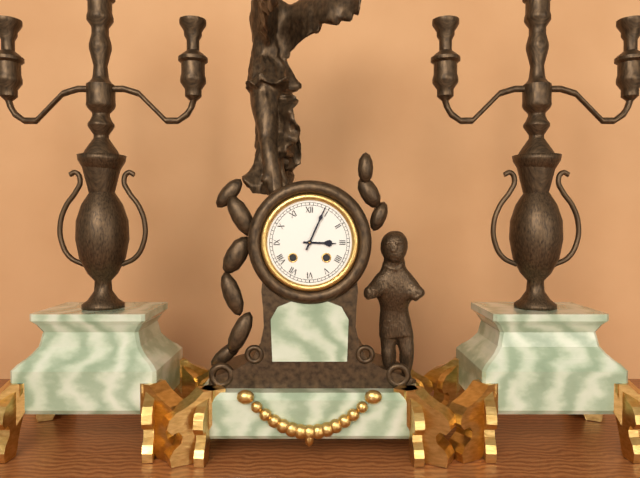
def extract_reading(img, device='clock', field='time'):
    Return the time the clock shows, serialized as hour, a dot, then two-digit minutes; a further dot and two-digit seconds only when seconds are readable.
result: 3.04
